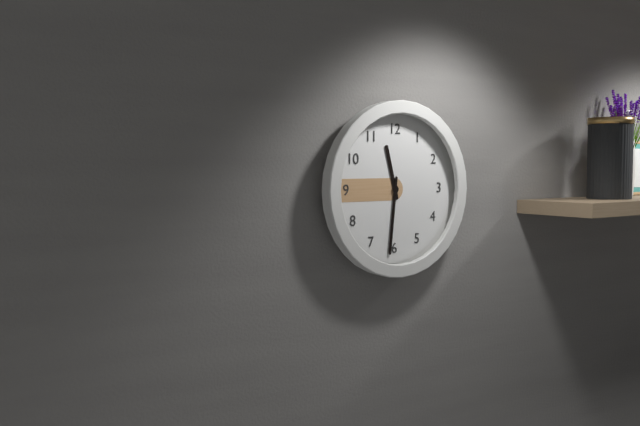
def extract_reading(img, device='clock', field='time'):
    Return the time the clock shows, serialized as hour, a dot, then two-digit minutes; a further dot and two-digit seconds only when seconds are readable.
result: 11.31
